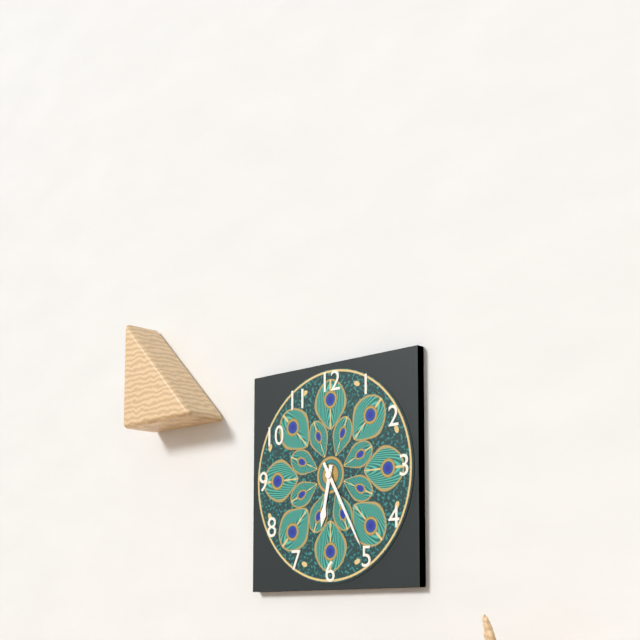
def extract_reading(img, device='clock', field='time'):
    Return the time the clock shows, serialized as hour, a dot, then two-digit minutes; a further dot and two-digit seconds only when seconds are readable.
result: 6.25
